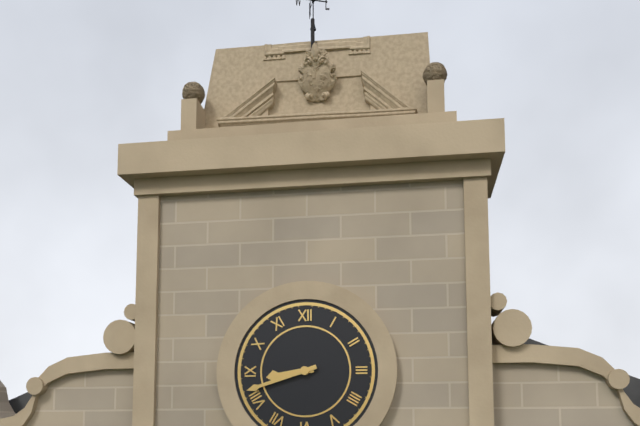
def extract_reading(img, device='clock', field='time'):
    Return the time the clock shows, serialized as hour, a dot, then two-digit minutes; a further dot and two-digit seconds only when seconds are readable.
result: 8.42
